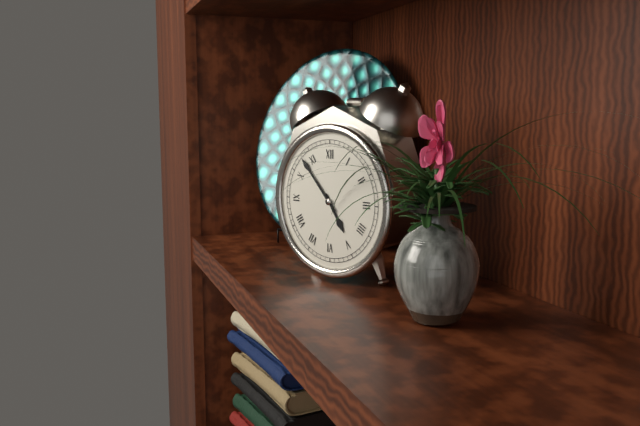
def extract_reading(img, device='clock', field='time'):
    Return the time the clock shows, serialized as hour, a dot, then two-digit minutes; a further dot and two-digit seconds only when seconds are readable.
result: 4.53
